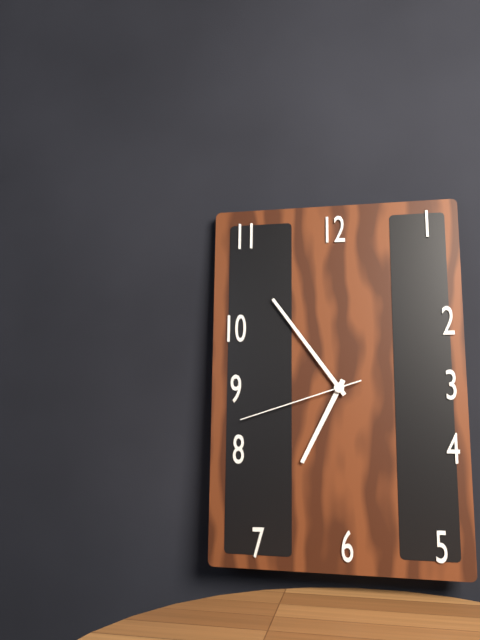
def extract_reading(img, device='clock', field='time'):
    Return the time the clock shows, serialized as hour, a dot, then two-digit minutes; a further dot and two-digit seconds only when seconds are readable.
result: 6.54.42
